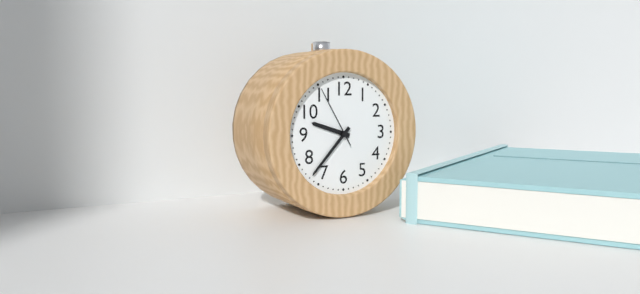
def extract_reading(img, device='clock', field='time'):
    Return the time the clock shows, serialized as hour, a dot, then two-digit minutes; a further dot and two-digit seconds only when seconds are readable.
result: 9.37.55
